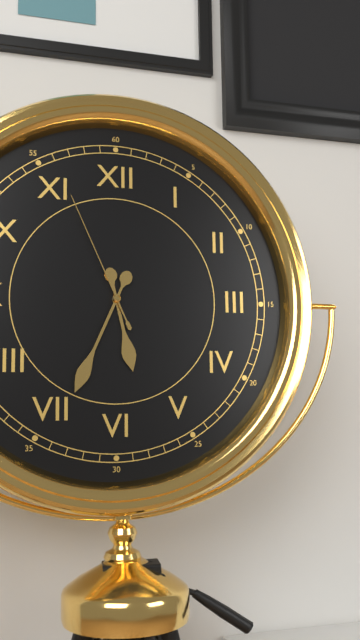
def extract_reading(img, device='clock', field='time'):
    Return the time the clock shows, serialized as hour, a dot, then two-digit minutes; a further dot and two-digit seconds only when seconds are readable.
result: 5.34.56
